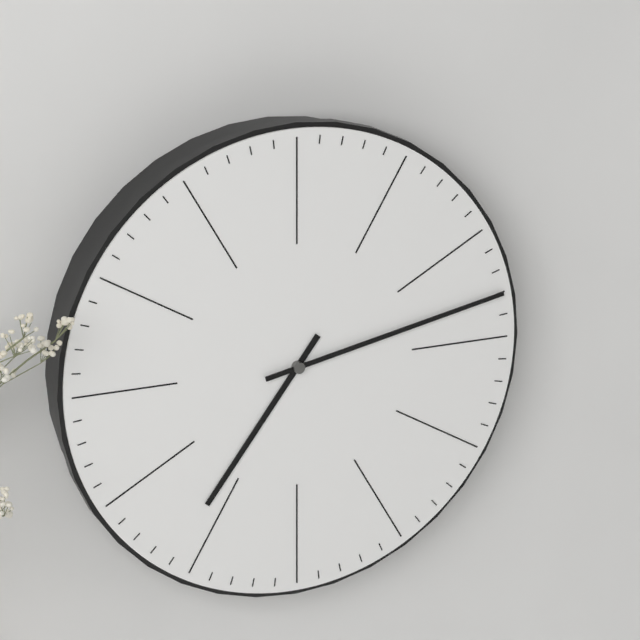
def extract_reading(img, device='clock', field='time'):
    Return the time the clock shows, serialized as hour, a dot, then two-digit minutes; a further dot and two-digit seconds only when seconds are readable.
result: 7.13
